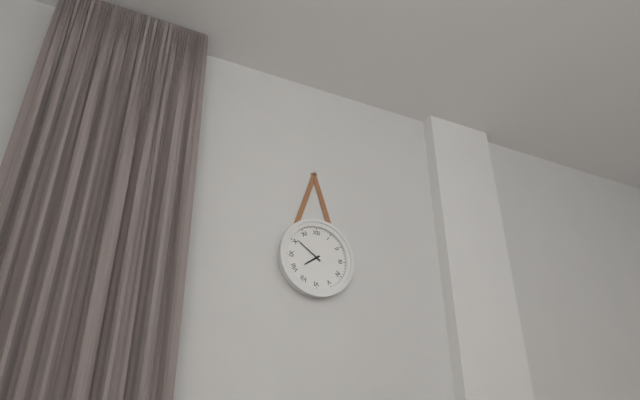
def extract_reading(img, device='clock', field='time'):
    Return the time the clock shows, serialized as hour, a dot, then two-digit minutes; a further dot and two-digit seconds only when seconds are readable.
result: 7.51
